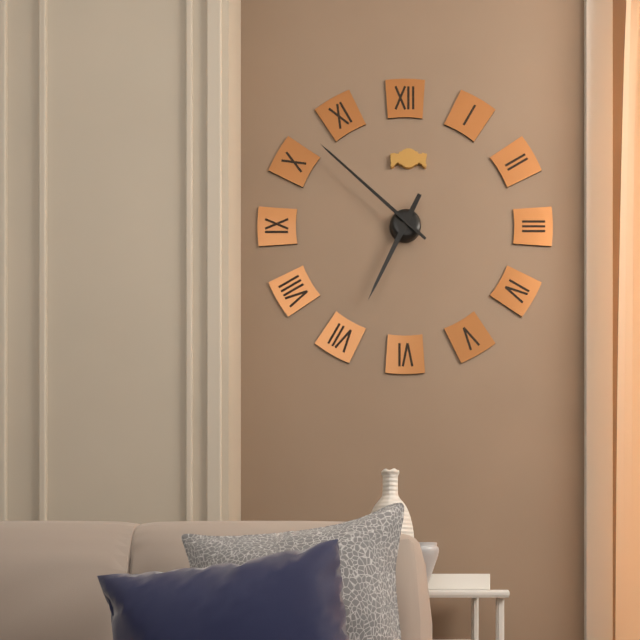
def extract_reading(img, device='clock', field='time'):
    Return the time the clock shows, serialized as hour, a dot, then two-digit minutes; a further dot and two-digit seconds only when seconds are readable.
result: 6.52
